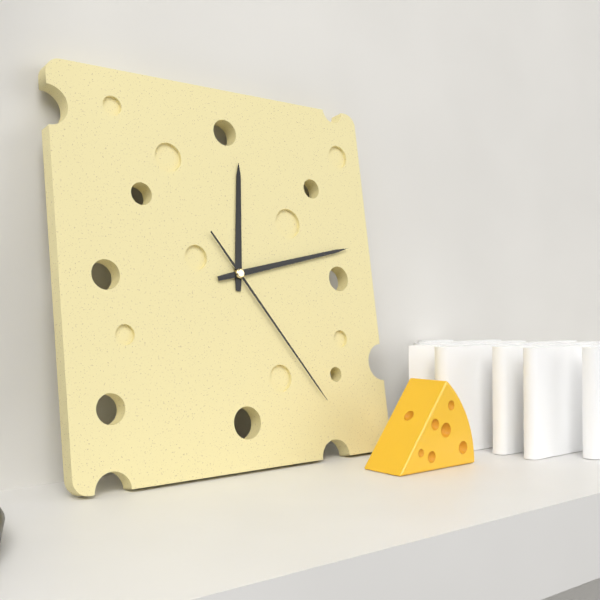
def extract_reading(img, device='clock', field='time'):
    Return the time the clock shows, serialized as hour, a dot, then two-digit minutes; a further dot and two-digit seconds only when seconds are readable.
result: 12.13.24
